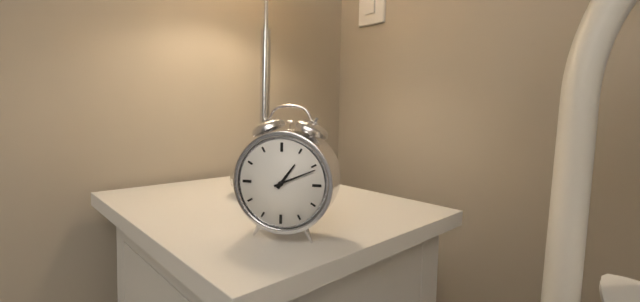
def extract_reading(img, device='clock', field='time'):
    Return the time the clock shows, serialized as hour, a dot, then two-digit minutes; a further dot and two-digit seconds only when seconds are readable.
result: 1.11
